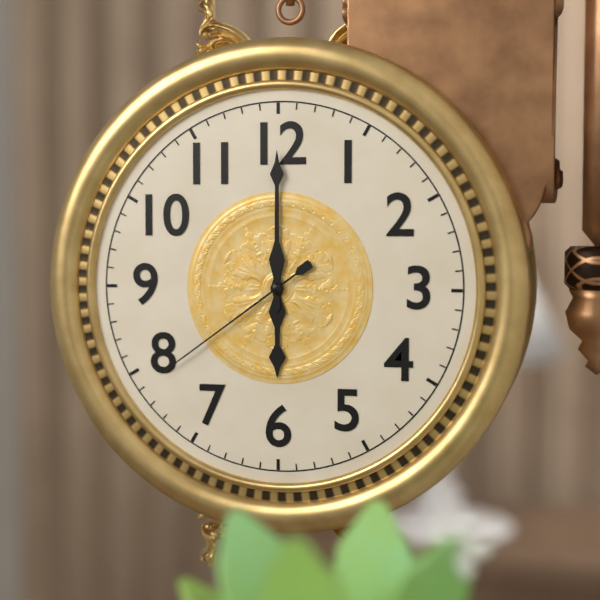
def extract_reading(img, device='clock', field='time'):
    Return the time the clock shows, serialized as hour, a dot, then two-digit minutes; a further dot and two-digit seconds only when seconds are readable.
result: 6.00.39
